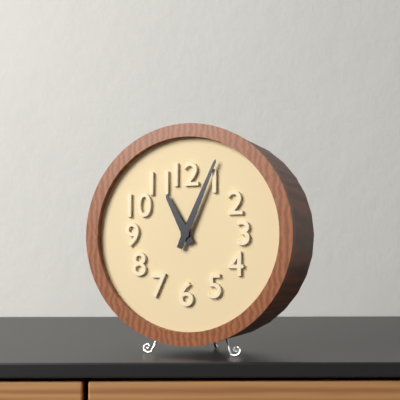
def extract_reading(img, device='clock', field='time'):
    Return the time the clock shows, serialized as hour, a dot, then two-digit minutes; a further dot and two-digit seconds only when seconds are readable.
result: 11.04
